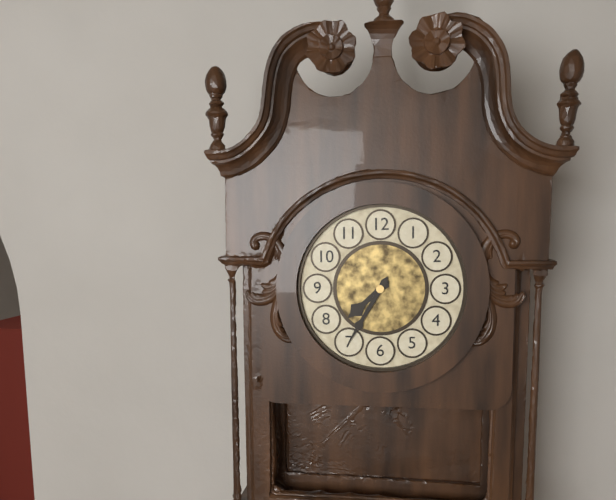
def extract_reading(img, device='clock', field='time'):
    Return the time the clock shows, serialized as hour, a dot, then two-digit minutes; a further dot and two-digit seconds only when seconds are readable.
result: 7.35
